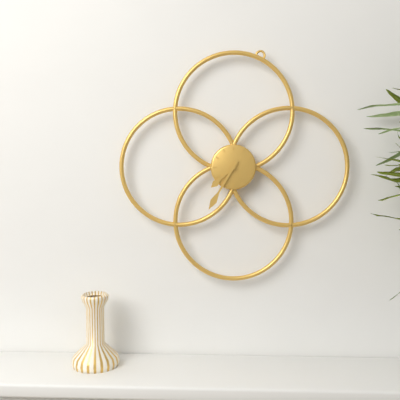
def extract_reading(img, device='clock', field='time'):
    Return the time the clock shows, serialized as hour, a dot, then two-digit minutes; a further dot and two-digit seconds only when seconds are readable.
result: 7.35
